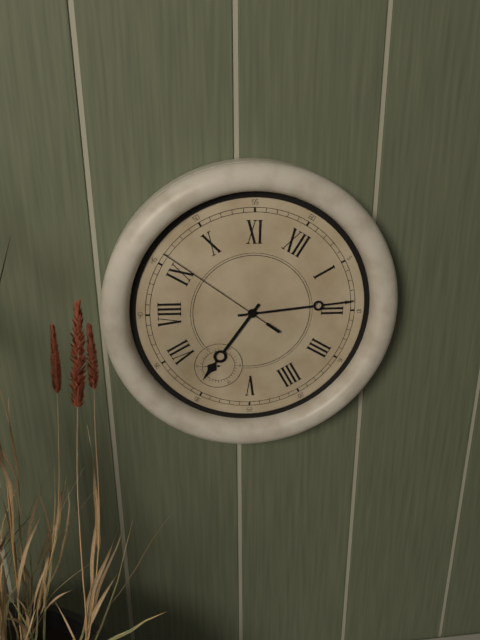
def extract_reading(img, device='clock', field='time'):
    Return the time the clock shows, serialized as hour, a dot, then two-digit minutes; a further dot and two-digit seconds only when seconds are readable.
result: 6.09.46
